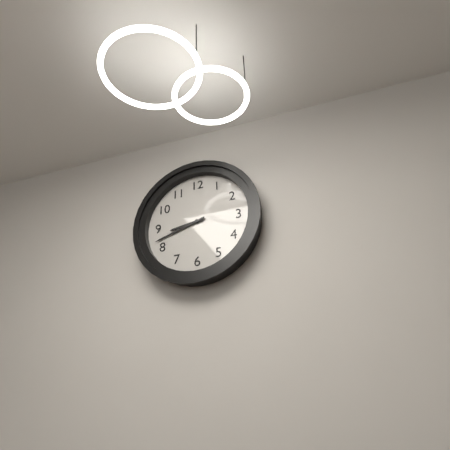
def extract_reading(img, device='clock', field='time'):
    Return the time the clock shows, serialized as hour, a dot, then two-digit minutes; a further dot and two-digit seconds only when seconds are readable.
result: 8.42
